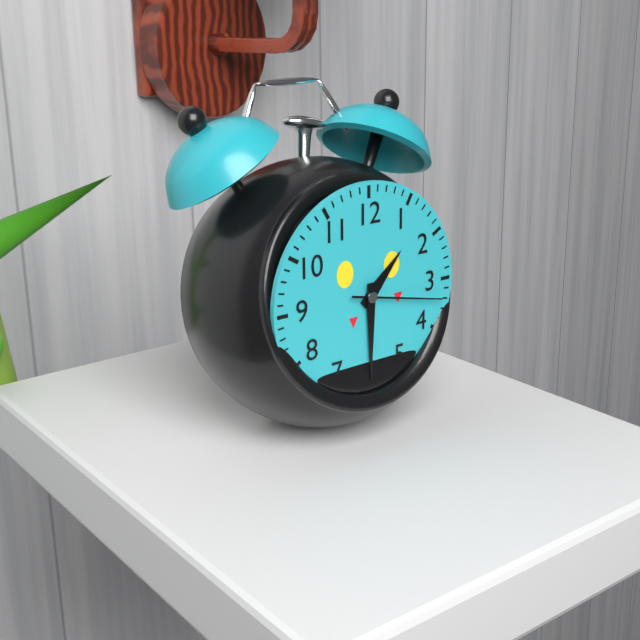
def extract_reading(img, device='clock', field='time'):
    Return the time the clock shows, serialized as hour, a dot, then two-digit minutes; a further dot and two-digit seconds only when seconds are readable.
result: 1.30.17
